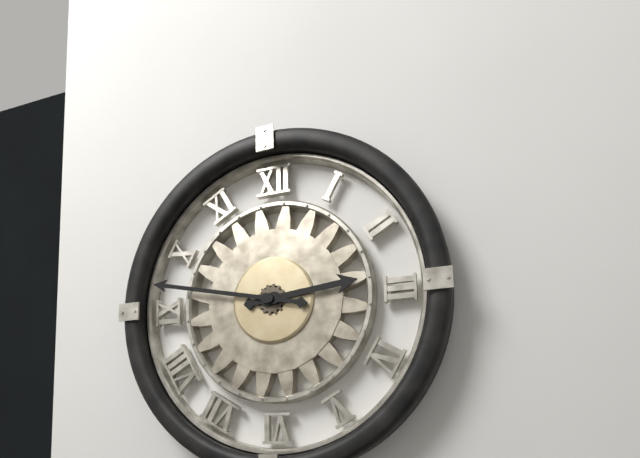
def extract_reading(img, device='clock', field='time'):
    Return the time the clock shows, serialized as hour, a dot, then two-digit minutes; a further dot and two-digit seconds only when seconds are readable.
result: 2.47
